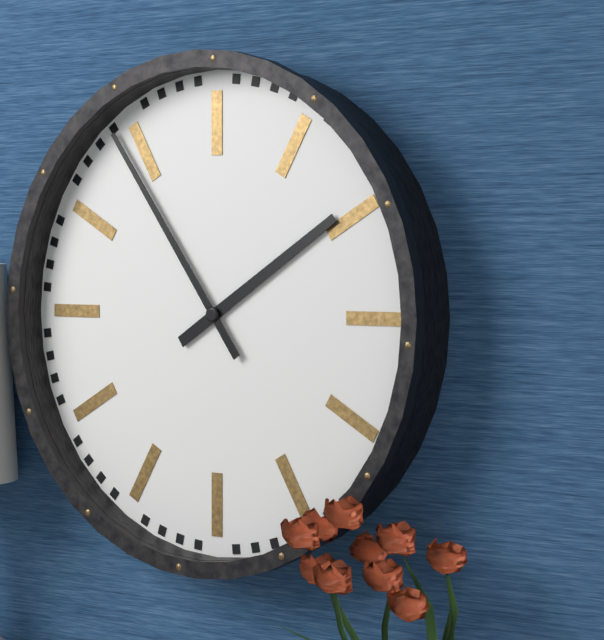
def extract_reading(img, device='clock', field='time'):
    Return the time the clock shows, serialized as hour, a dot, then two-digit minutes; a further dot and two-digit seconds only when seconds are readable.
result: 1.54
